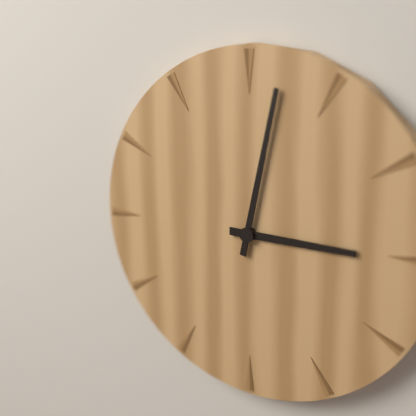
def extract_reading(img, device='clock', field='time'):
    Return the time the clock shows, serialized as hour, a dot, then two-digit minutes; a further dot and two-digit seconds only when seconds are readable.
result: 3.02
